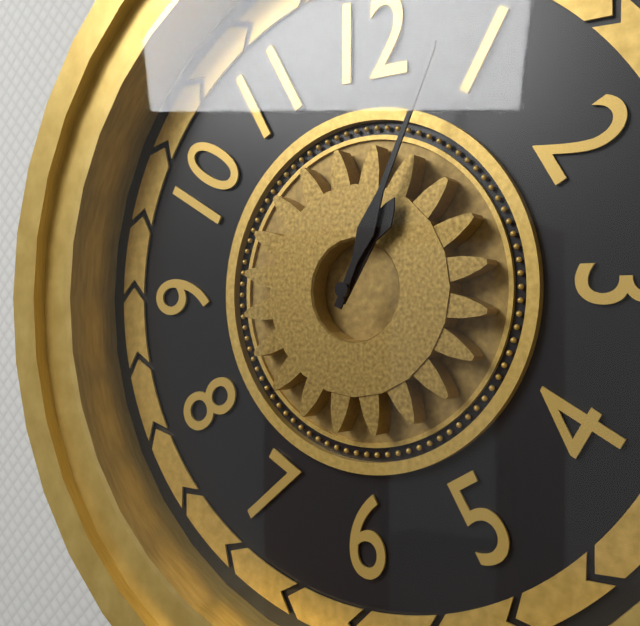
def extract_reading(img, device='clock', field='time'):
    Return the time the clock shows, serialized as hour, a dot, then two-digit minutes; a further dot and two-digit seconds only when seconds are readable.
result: 1.04
